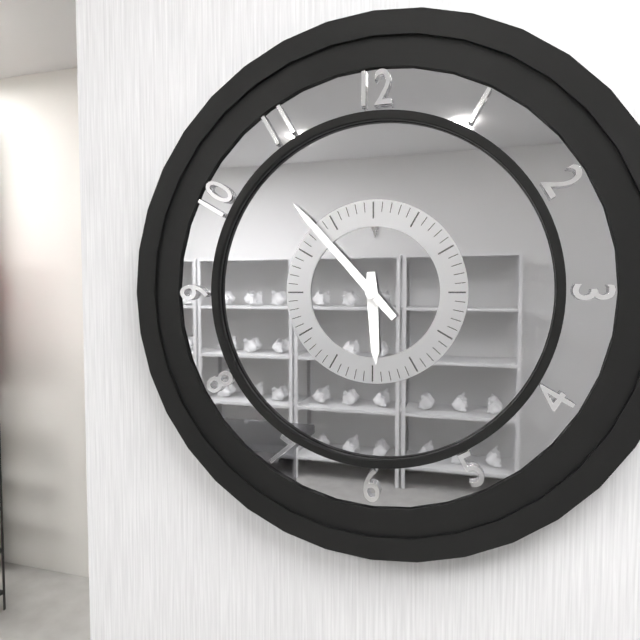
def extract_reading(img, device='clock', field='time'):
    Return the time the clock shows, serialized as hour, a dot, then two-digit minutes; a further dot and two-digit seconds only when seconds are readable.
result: 5.53
